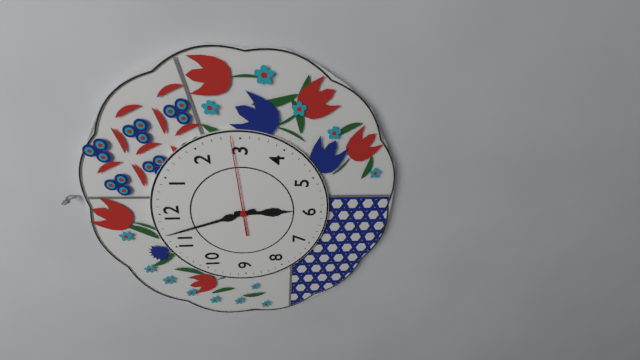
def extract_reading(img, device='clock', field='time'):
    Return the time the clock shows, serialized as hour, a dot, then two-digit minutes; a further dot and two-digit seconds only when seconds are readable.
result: 5.57.14
